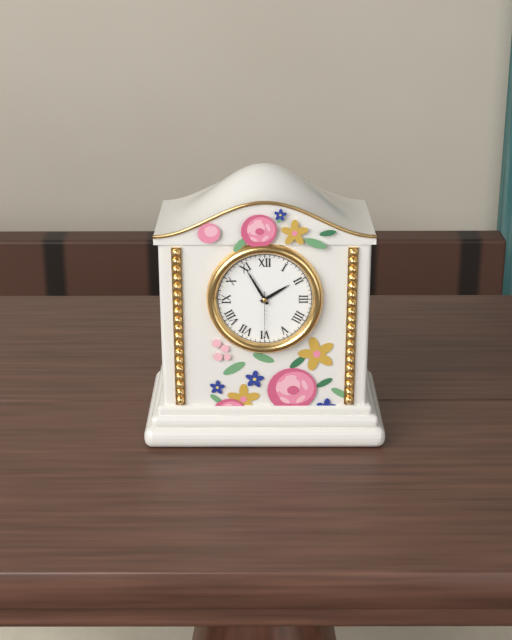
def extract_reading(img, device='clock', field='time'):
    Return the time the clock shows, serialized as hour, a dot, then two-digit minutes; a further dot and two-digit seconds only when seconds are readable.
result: 1.55
